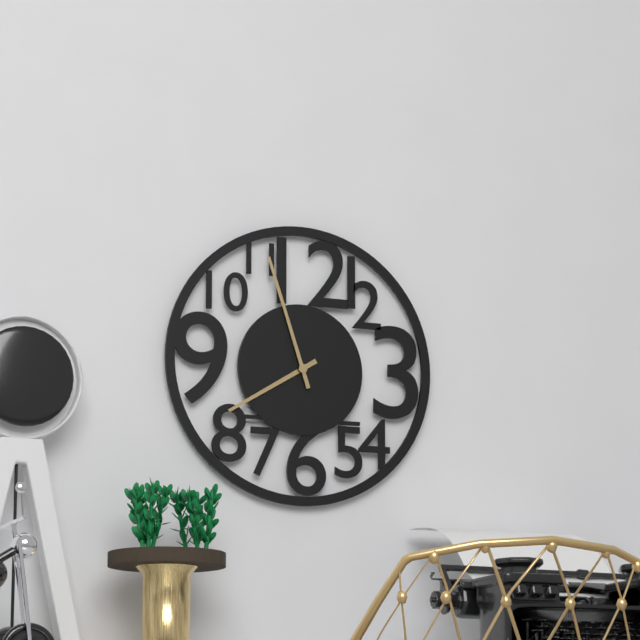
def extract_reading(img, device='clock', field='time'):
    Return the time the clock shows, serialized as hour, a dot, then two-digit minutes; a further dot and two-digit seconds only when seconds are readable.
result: 7.57
